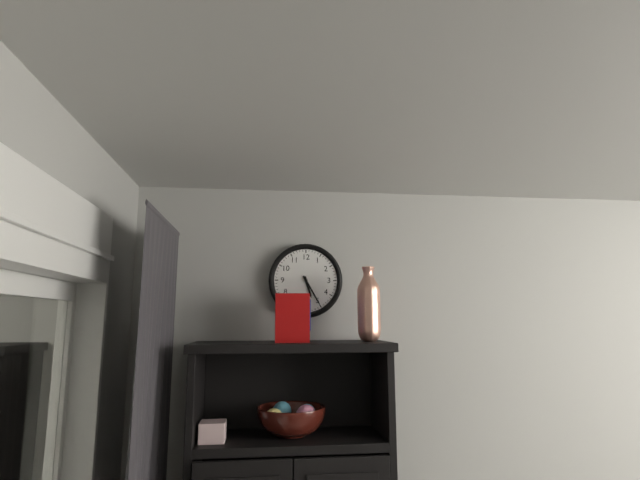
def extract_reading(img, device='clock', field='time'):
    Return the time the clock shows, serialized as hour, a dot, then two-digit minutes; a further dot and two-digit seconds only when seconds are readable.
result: 5.25
